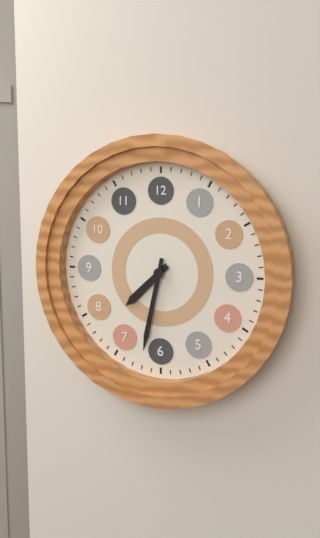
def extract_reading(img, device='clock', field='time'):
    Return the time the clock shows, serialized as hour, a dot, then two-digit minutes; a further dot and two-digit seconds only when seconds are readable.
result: 7.32
